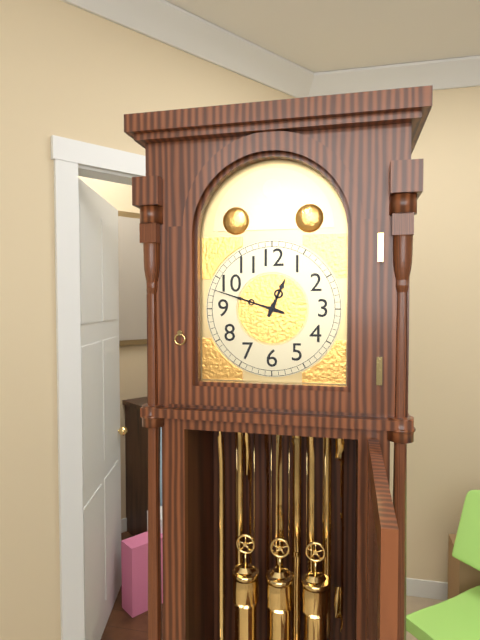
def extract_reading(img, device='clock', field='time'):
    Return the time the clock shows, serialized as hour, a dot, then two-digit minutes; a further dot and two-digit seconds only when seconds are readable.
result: 12.48
